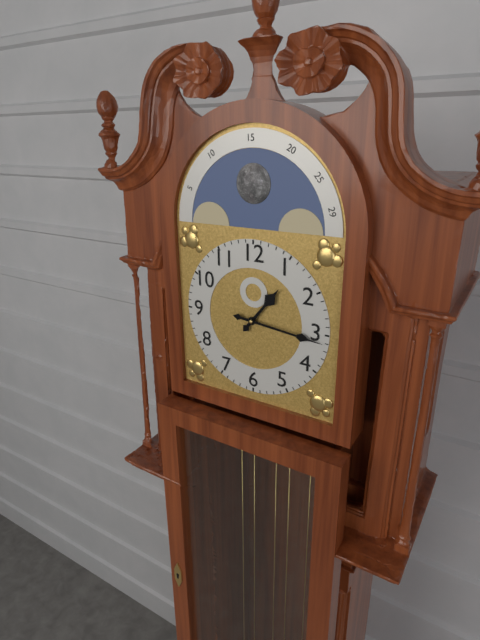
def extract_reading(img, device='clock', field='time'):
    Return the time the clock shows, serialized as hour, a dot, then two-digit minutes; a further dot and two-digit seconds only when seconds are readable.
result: 1.16
